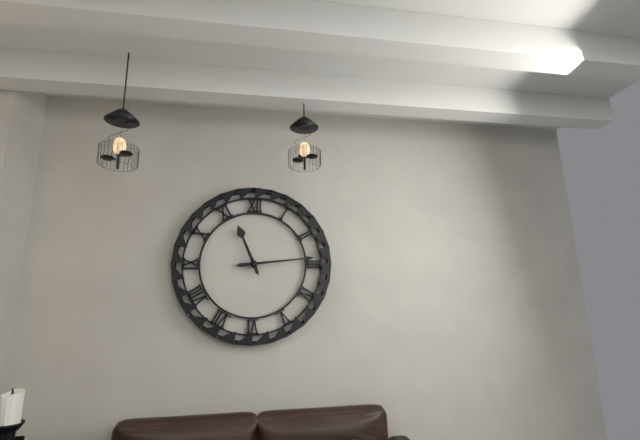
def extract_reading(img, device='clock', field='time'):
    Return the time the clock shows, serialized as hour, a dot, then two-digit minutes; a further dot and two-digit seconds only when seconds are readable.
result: 11.14
